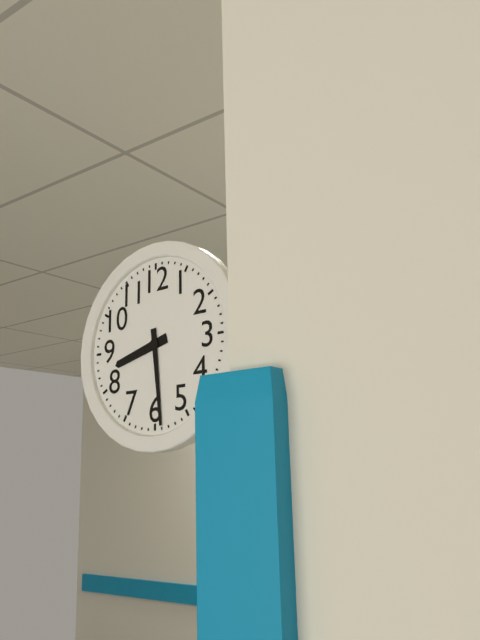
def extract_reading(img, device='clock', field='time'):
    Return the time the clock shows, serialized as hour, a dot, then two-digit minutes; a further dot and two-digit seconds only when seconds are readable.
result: 8.29
